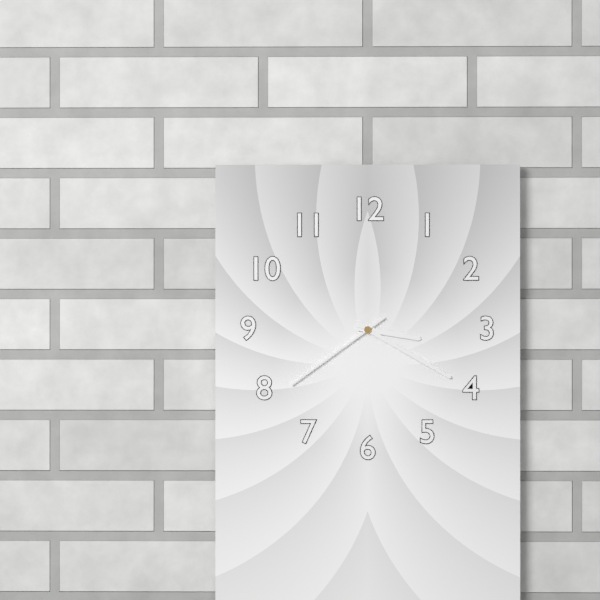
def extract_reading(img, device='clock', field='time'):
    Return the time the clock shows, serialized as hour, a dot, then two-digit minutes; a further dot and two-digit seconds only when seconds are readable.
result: 3.20.39
